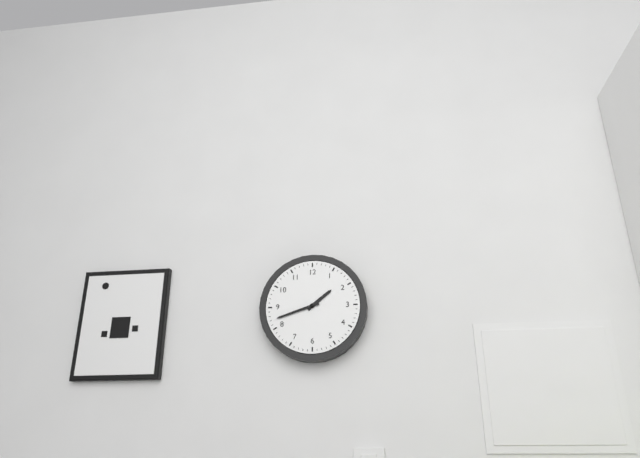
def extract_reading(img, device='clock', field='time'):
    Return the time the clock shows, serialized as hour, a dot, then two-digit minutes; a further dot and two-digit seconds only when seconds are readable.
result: 1.42
